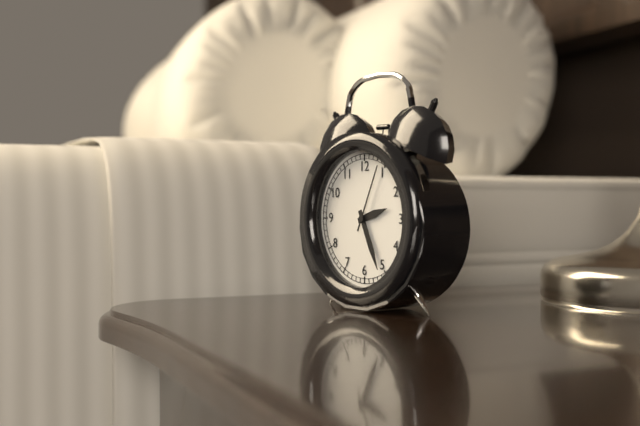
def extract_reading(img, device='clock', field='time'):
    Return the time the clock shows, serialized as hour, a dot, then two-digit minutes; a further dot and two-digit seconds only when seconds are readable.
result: 2.26.04
